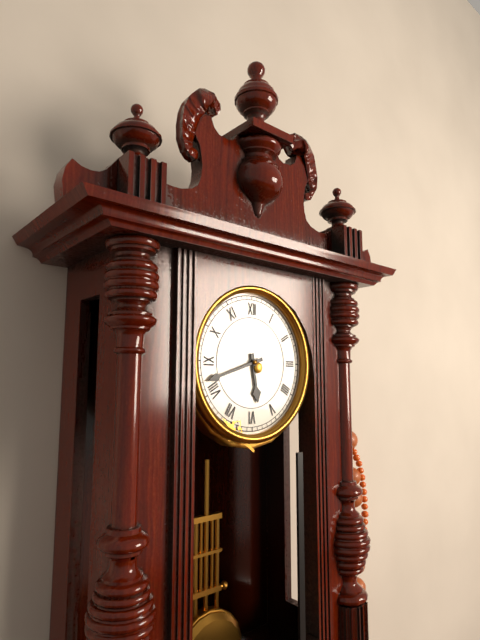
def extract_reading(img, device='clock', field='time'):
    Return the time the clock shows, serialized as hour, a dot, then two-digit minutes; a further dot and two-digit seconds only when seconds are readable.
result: 5.42
